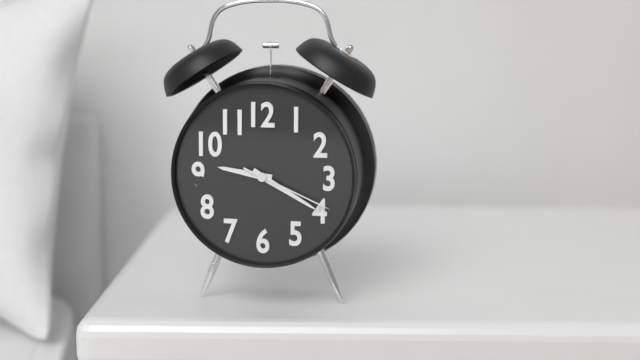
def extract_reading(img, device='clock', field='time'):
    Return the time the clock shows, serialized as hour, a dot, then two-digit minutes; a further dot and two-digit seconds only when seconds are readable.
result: 9.20.19
